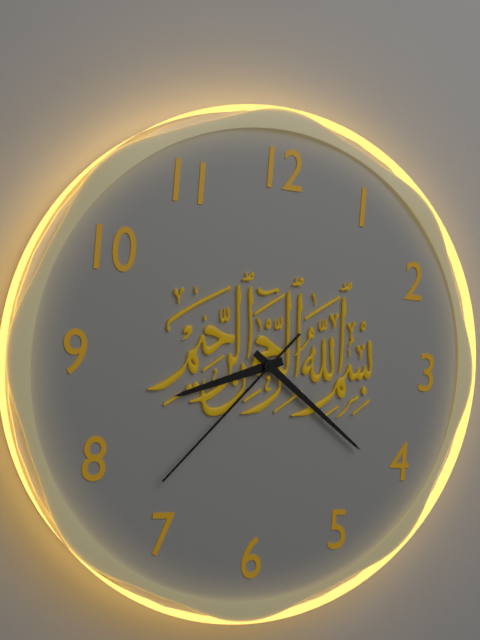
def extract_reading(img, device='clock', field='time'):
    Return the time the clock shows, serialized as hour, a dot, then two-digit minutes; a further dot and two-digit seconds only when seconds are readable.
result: 8.21.37
